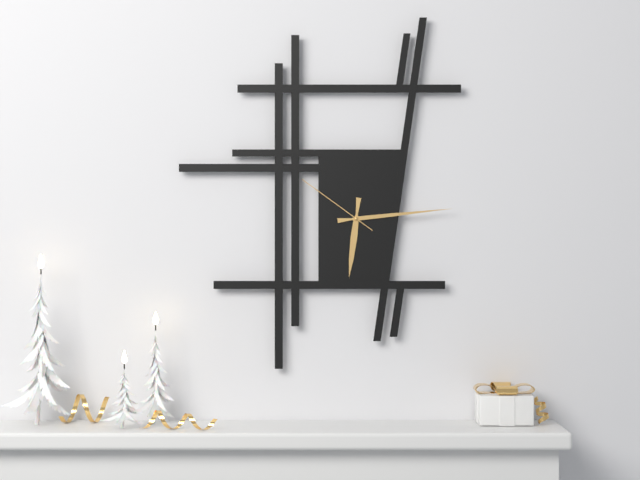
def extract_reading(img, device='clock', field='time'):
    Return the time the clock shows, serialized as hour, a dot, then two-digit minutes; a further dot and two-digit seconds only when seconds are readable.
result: 6.14.51
